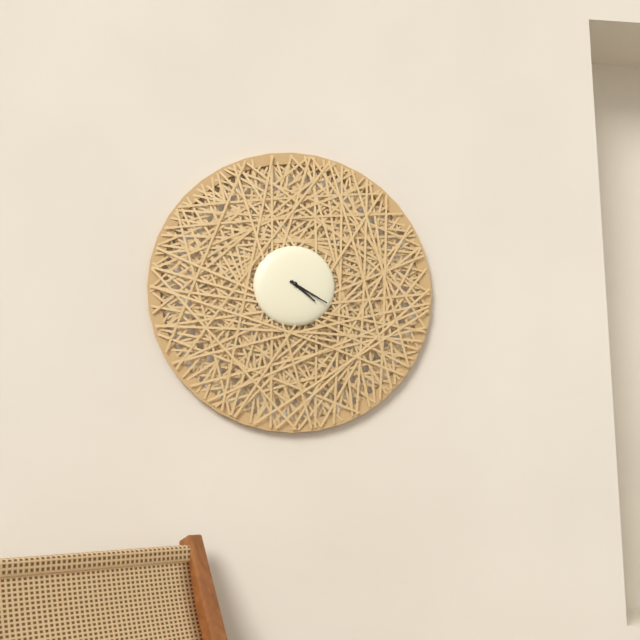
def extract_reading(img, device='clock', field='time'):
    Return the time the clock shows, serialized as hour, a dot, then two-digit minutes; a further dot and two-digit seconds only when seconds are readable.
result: 4.20
